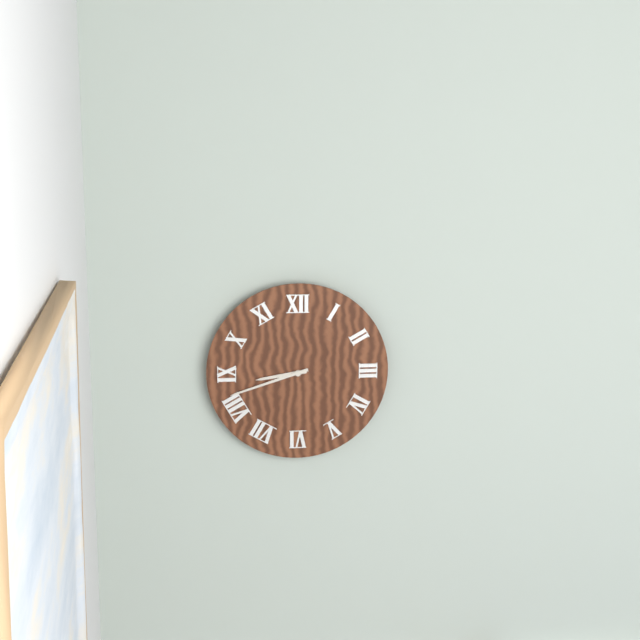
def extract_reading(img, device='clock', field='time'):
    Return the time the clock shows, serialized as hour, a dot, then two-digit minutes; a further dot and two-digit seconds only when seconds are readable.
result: 8.42
